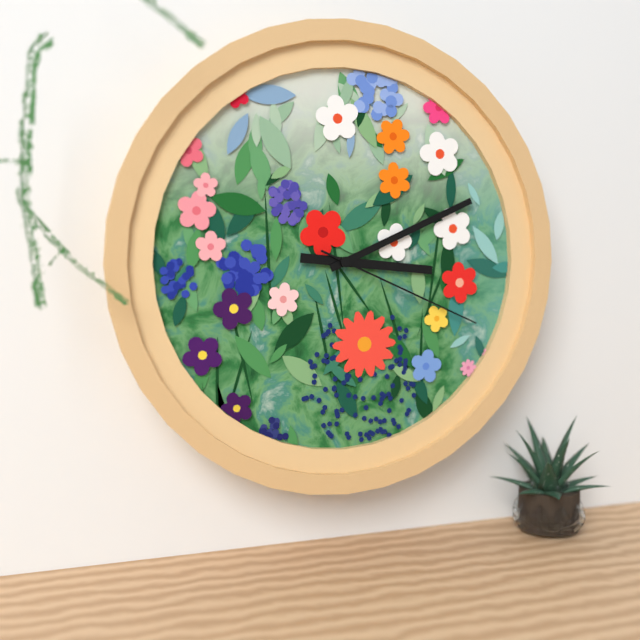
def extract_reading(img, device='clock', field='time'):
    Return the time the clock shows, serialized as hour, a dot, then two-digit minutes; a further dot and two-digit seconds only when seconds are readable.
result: 3.11.19
